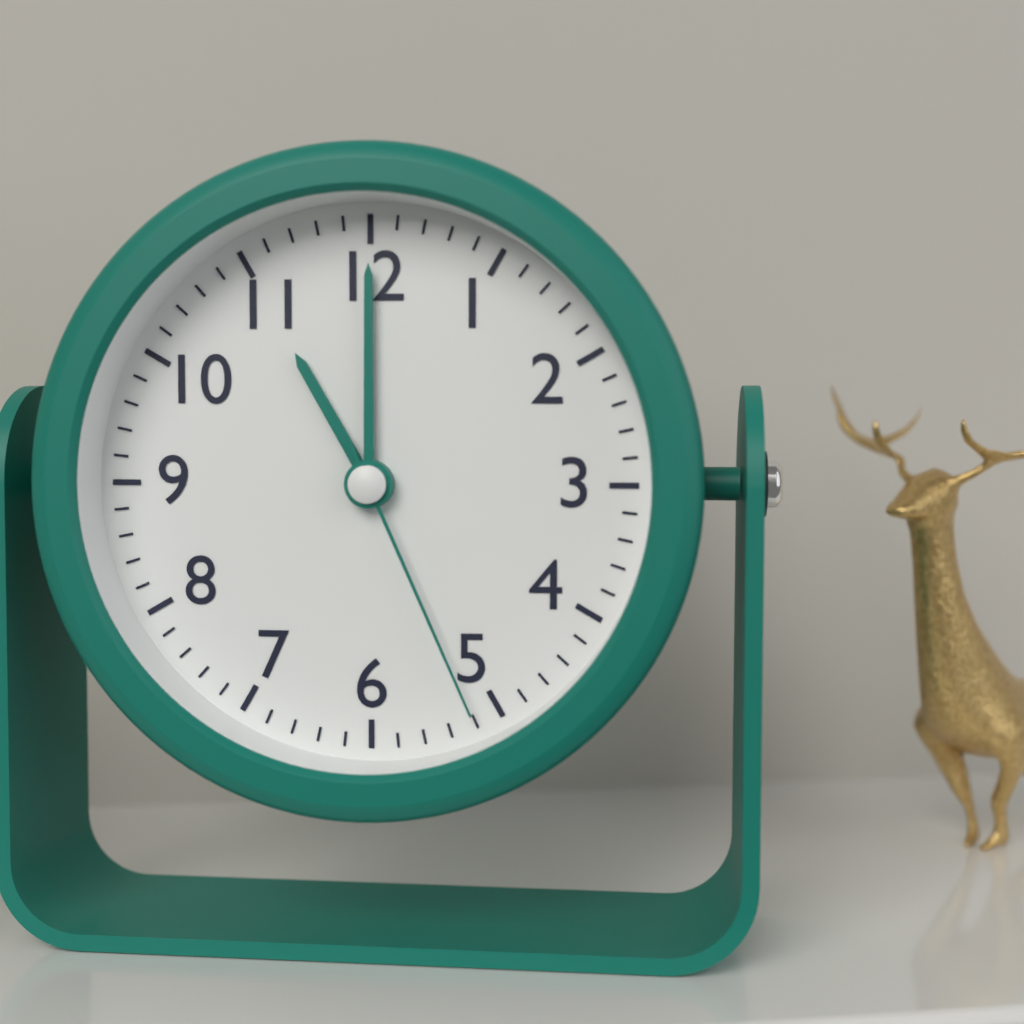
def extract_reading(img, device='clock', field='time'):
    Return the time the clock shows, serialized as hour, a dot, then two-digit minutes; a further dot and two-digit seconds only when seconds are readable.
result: 11.00.26
